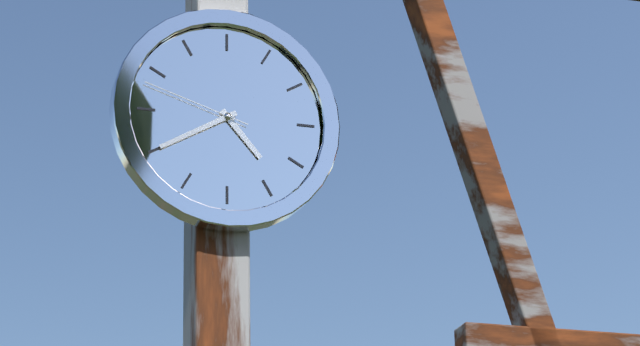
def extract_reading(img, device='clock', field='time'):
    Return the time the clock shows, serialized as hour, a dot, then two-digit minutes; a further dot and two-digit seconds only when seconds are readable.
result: 4.40.48
